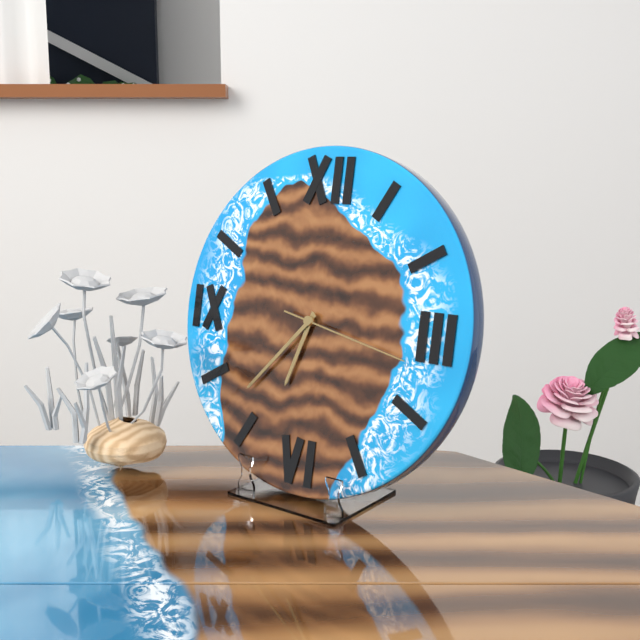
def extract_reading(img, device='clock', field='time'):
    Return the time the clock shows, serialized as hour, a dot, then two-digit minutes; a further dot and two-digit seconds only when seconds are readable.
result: 6.37.17
